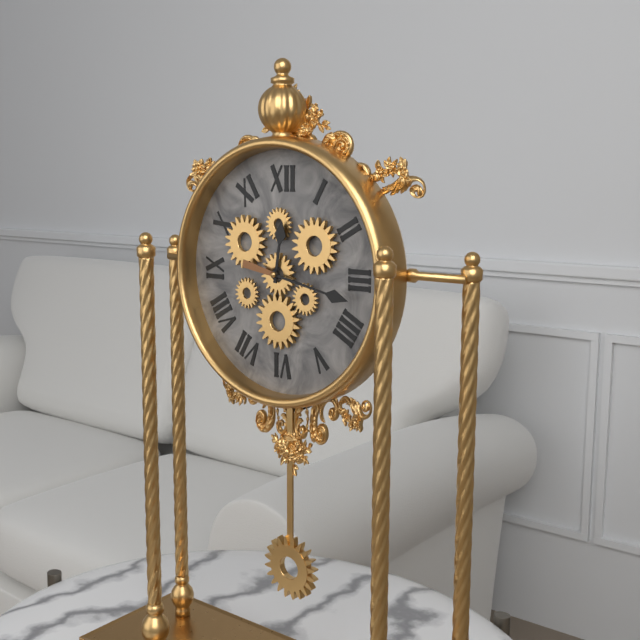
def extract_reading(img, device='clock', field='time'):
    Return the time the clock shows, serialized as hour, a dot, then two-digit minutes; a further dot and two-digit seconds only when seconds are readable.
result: 12.17
